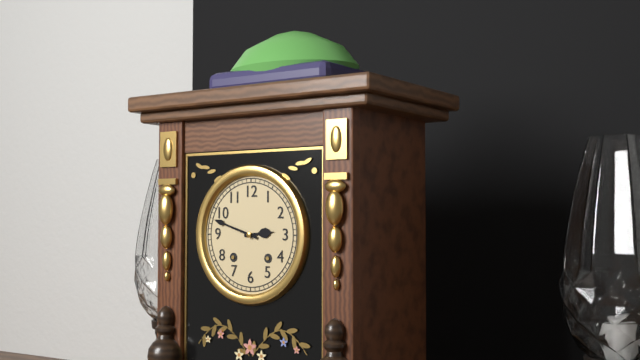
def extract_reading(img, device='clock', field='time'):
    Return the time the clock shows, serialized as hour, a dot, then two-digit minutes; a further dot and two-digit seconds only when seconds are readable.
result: 2.48
